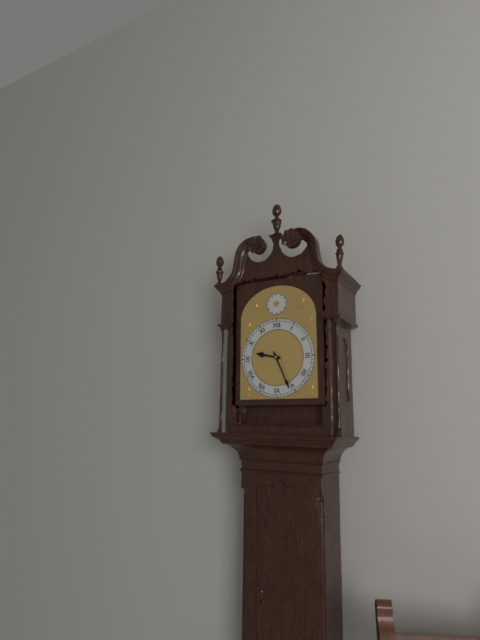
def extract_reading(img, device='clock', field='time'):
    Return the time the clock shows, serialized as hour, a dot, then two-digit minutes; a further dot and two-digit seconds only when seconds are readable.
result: 9.26
